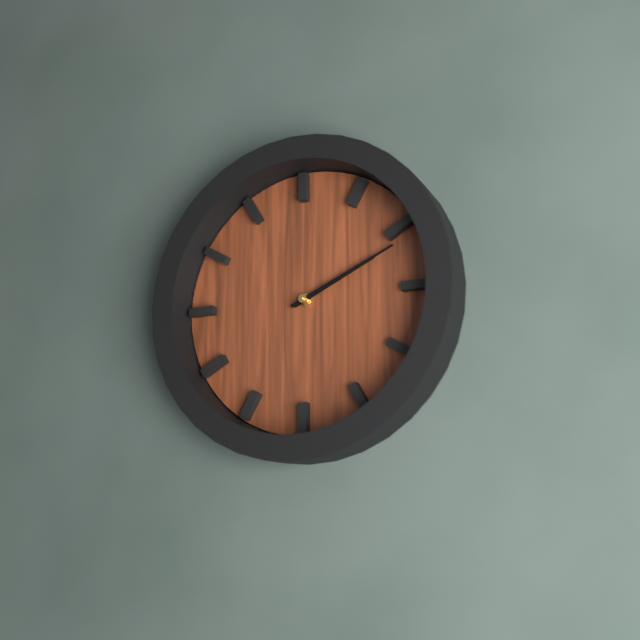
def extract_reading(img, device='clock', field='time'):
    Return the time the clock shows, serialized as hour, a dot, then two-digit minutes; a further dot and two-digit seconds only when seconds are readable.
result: 2.11
